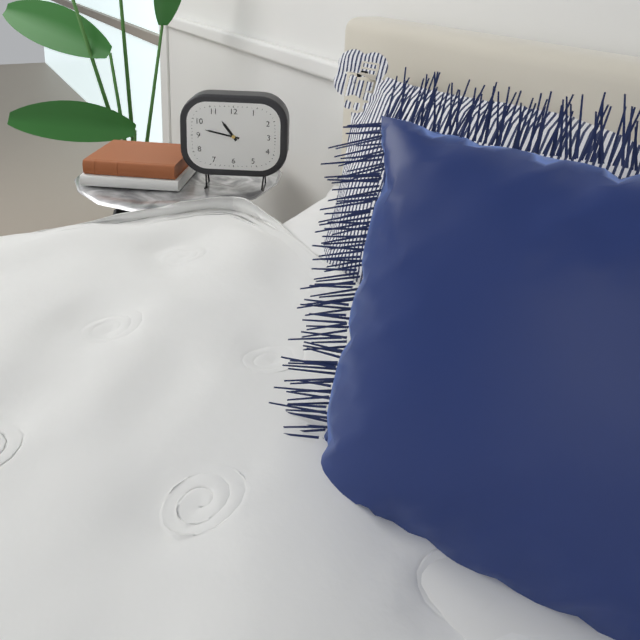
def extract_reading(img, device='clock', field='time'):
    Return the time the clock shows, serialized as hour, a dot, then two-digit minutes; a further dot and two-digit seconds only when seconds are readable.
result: 10.47
